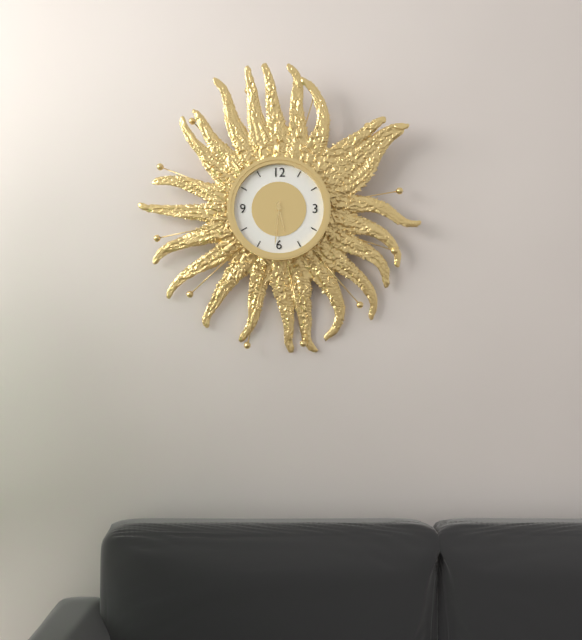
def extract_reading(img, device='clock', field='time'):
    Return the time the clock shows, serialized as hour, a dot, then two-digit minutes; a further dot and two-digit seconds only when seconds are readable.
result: 5.31
